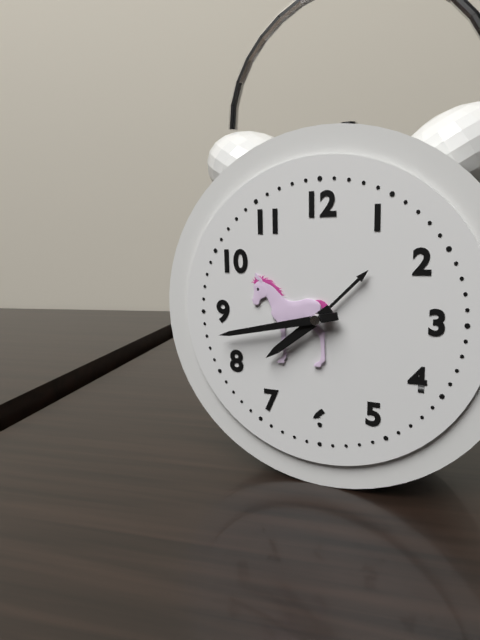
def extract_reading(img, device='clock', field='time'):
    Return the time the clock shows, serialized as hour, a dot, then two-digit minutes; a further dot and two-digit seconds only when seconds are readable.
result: 7.43
